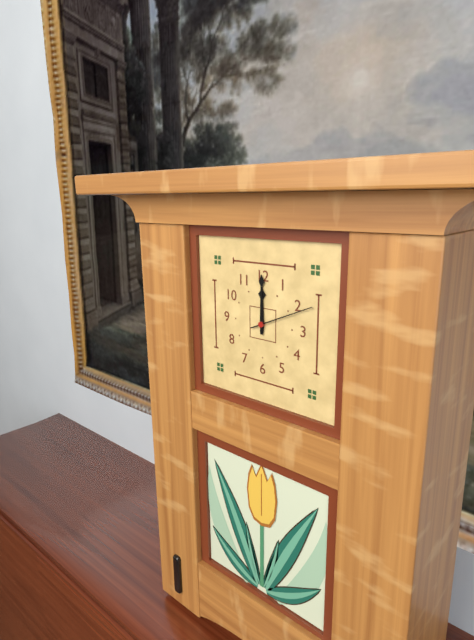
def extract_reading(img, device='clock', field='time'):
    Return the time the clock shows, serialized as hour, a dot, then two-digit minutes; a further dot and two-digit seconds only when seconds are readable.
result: 12.00.11
